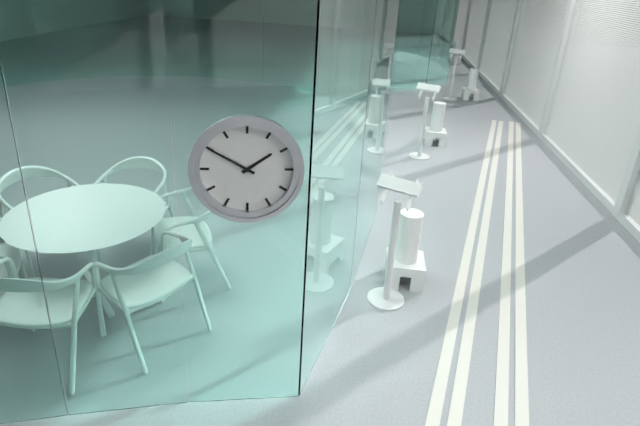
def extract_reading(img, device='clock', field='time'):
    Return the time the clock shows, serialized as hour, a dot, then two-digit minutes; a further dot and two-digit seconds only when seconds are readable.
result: 1.50
